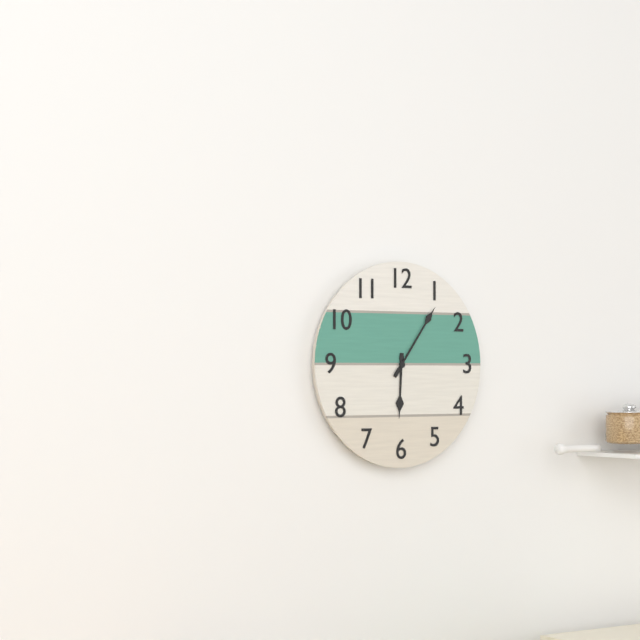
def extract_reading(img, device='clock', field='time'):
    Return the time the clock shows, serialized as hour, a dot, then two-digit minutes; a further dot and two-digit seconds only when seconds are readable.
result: 6.06
